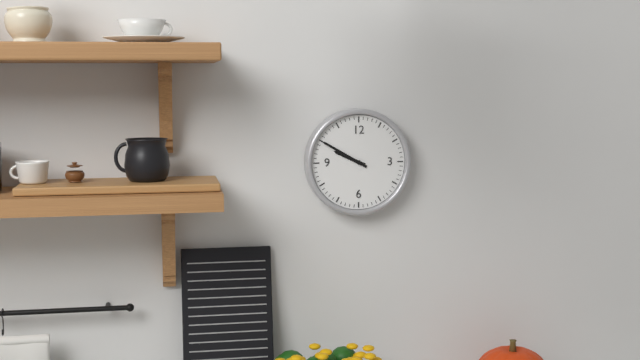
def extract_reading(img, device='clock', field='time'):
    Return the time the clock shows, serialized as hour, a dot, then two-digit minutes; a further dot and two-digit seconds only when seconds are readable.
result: 9.50
